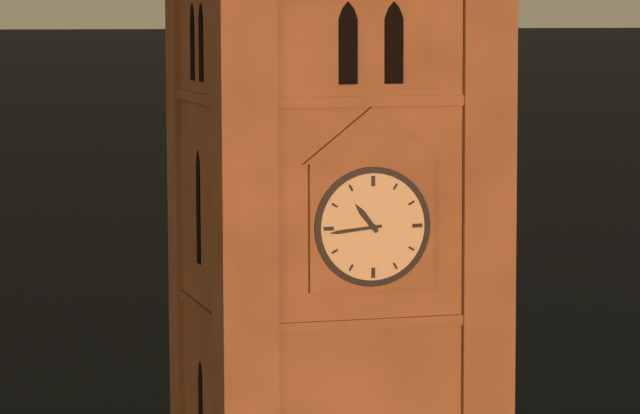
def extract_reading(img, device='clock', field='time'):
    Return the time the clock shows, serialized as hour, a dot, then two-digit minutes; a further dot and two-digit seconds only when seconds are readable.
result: 10.44
